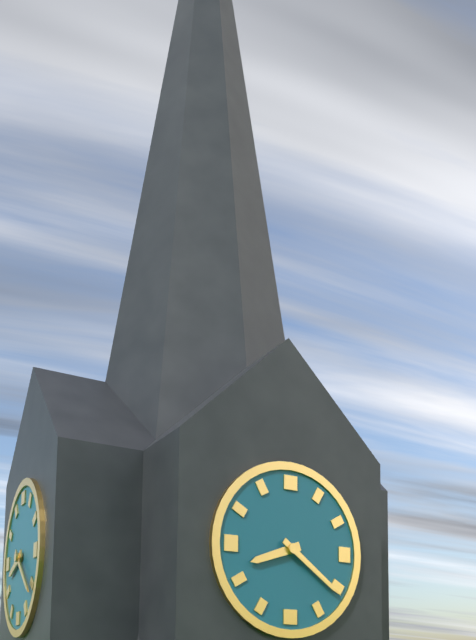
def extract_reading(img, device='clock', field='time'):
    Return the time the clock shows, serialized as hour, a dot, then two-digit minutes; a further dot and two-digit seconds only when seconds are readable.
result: 8.21
